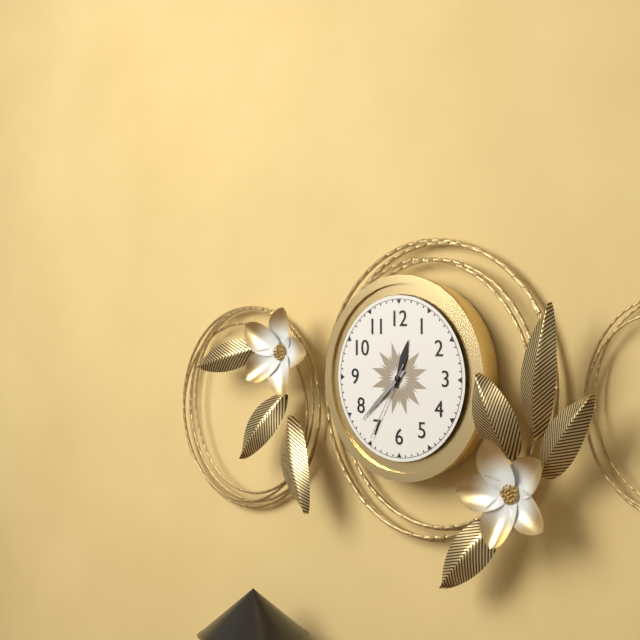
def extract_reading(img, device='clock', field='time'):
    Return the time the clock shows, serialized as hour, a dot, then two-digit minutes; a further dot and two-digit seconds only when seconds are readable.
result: 12.38.35
